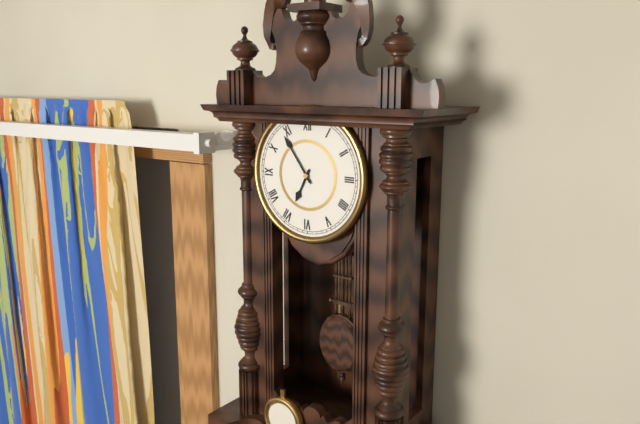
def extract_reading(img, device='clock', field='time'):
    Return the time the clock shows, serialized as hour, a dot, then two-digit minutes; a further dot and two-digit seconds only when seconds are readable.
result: 6.54
